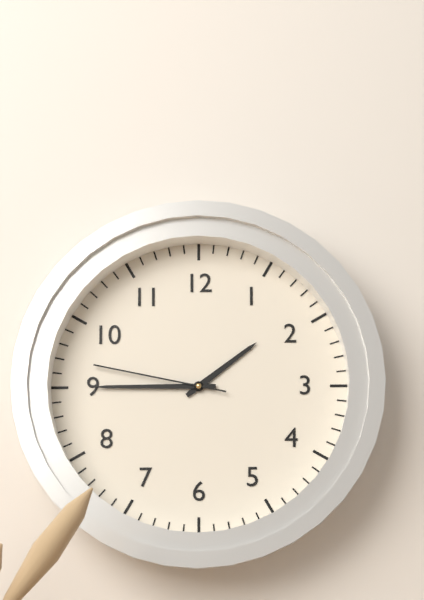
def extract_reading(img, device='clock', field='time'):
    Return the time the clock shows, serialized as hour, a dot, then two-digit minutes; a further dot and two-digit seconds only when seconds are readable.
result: 1.45.47
